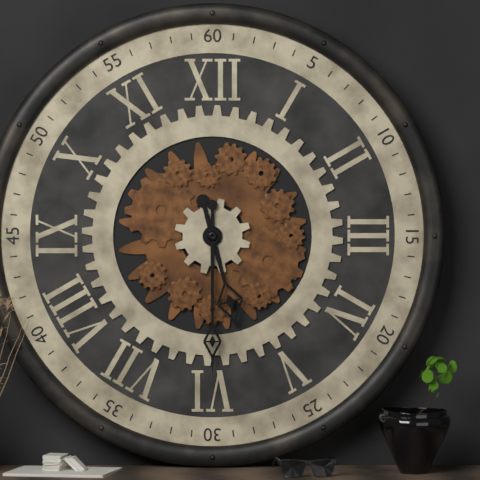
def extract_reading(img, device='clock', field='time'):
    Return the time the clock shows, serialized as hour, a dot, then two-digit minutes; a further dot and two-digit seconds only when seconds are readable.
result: 5.30
